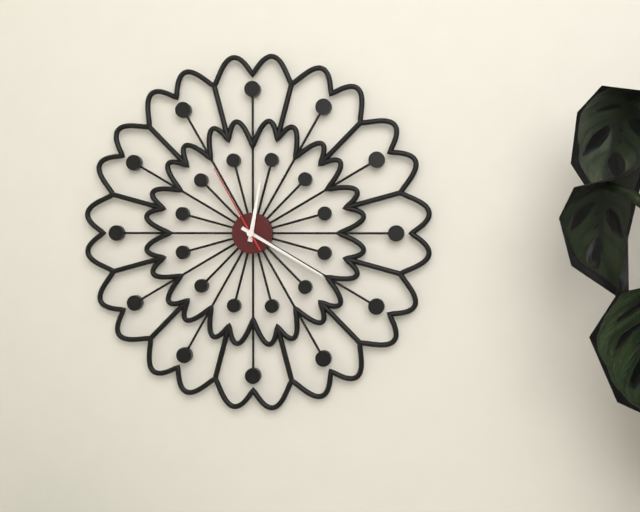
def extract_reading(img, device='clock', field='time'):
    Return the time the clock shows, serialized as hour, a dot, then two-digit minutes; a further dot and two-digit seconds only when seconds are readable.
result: 12.20.55
